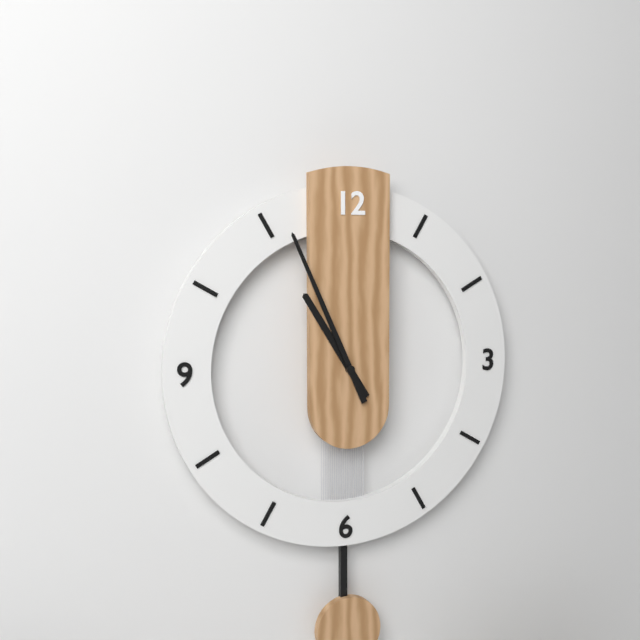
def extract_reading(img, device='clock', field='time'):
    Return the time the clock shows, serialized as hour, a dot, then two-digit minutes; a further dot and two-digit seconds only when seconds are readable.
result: 10.56
